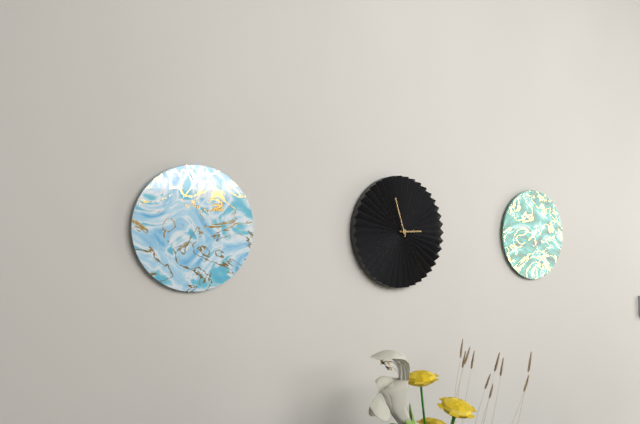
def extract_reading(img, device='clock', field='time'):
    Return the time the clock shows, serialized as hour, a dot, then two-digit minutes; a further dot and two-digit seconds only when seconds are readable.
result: 2.57
